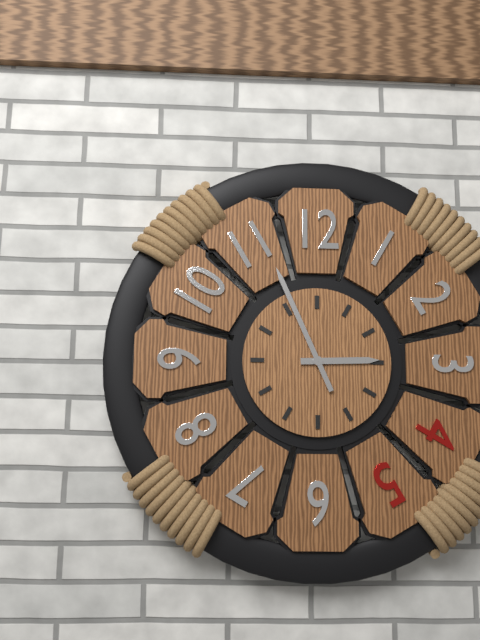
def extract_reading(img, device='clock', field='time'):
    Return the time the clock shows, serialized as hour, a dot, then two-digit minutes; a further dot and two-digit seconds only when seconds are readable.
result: 2.56
